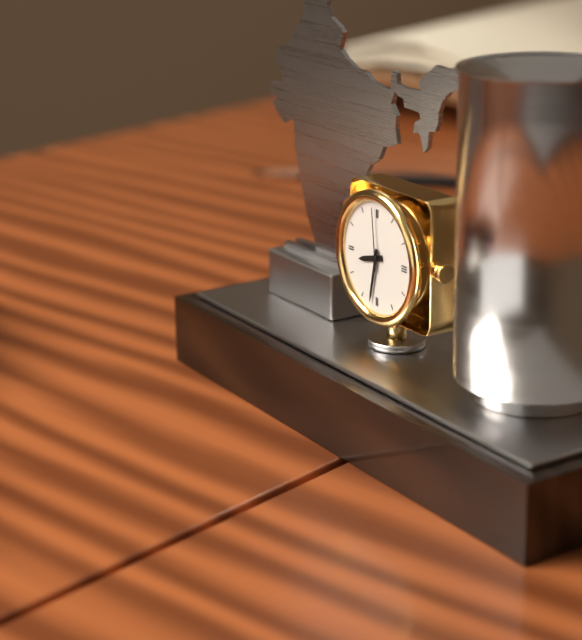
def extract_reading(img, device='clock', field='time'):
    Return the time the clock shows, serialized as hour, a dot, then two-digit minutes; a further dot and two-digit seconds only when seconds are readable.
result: 8.32.59
